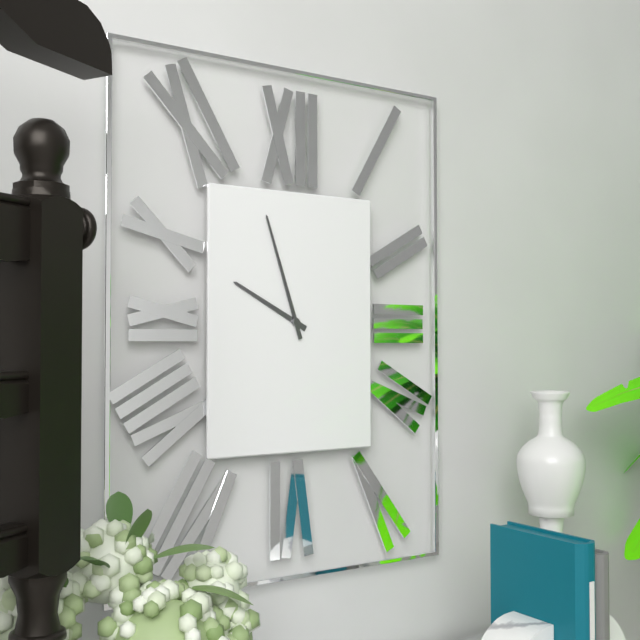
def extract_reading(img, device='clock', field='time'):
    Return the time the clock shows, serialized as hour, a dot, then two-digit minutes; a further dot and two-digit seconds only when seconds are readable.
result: 9.57
